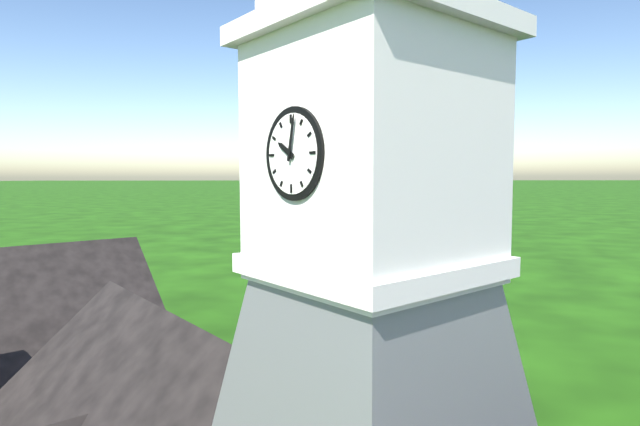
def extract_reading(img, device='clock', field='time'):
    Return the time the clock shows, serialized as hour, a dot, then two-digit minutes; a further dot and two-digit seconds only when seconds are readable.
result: 10.02
